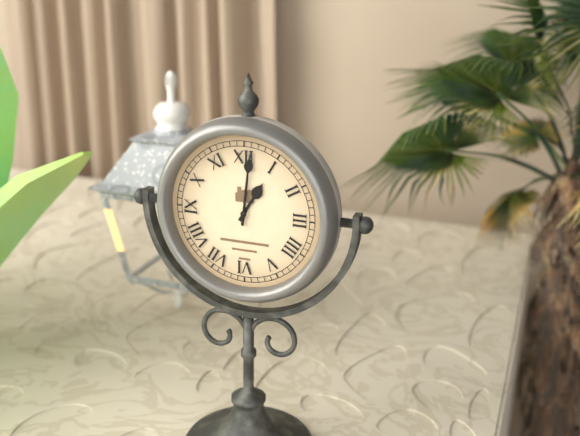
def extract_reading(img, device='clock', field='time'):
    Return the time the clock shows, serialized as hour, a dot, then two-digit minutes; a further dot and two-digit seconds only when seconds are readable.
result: 1.01
